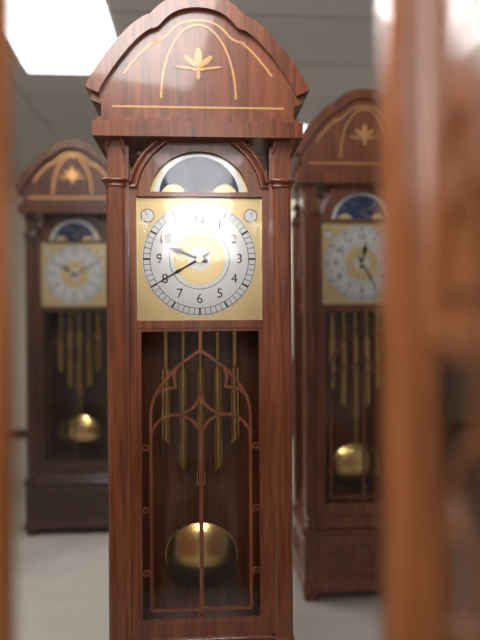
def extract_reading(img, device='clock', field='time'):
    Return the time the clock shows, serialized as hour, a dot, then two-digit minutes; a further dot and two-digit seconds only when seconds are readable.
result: 9.40
